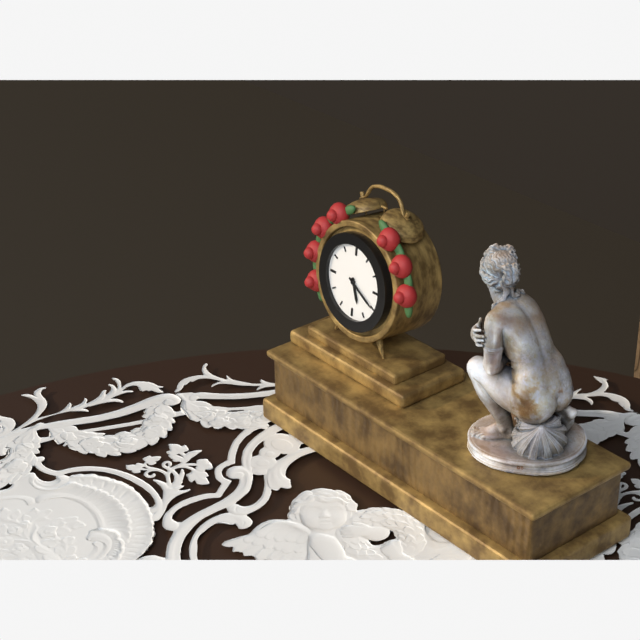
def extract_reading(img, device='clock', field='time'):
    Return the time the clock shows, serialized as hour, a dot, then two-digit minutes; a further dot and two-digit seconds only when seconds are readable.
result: 5.20
